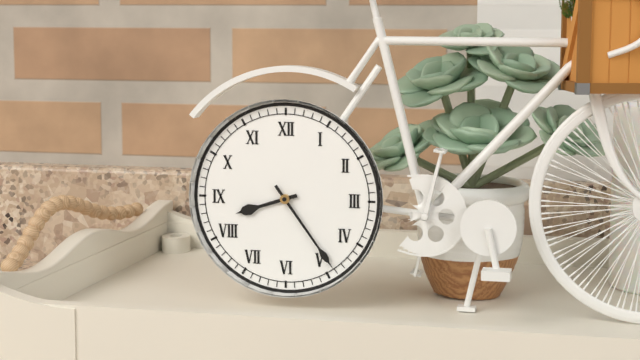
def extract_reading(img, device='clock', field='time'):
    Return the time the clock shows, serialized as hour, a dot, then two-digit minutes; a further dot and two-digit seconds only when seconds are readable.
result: 8.24
